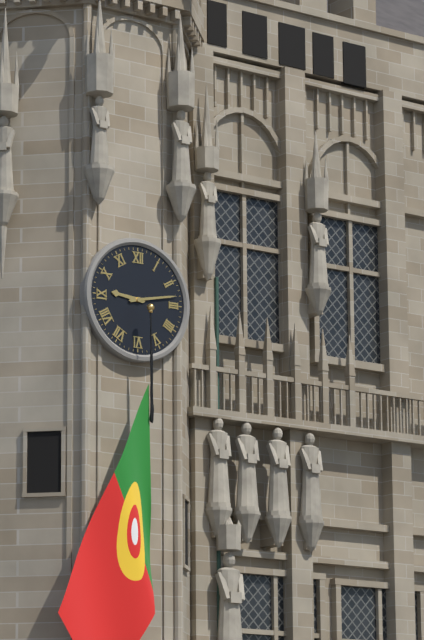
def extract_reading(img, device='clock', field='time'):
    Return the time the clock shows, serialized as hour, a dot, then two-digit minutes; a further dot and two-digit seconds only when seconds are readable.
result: 9.13
